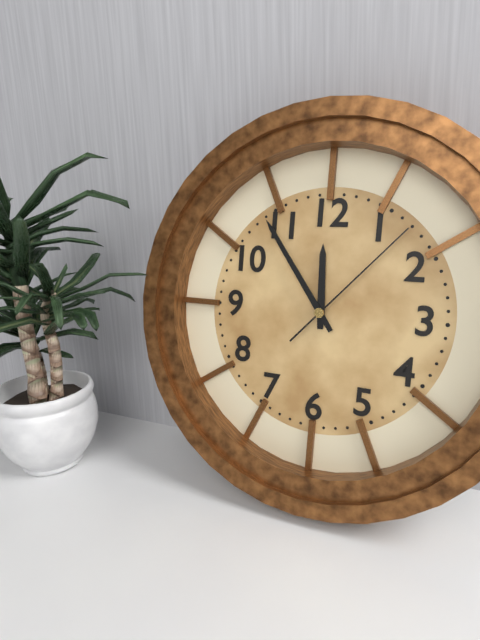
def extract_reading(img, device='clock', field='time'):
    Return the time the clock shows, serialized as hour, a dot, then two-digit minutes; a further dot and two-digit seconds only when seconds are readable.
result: 11.54.07
